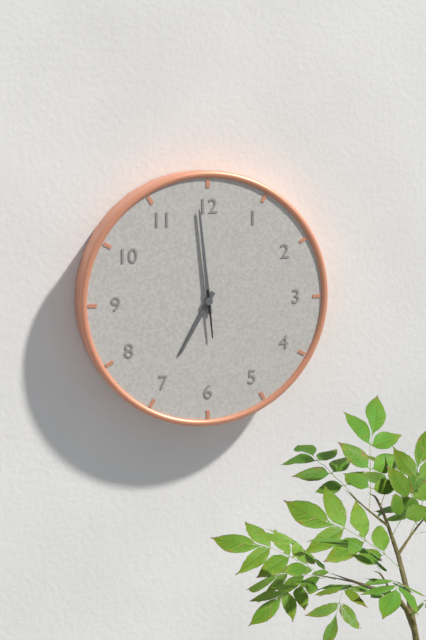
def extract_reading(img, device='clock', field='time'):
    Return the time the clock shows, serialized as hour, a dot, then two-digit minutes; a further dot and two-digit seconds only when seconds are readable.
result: 6.59
